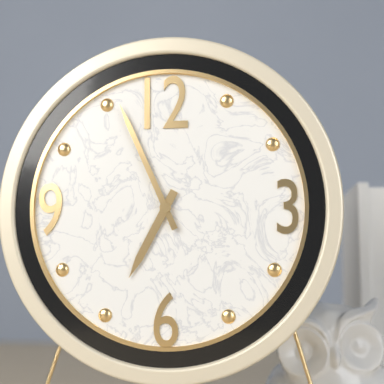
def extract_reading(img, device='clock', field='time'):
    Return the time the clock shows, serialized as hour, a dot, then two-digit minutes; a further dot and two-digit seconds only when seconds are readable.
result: 6.56
